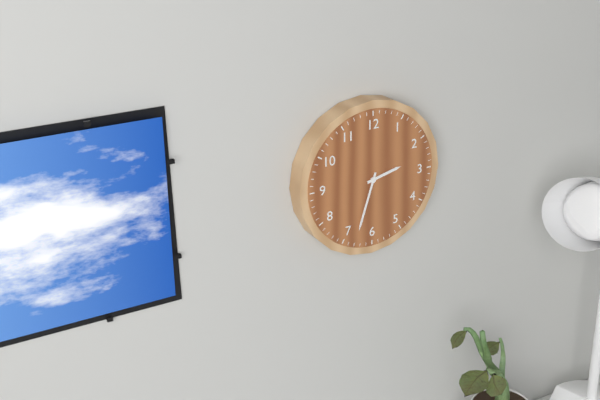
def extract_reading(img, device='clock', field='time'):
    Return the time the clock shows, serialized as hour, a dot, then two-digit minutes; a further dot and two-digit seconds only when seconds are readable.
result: 2.33
